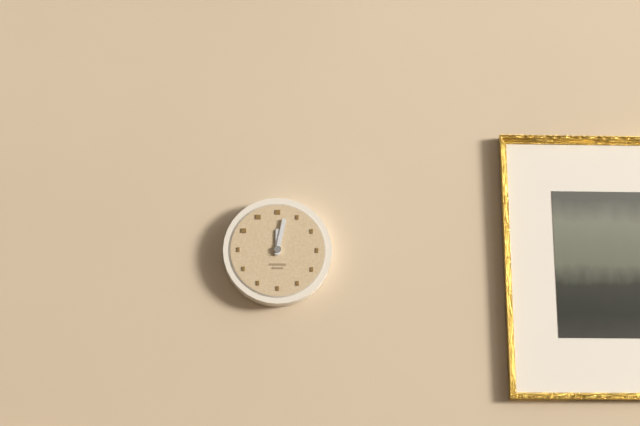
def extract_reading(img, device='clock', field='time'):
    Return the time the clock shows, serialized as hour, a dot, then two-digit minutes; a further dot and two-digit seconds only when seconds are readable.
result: 12.02
